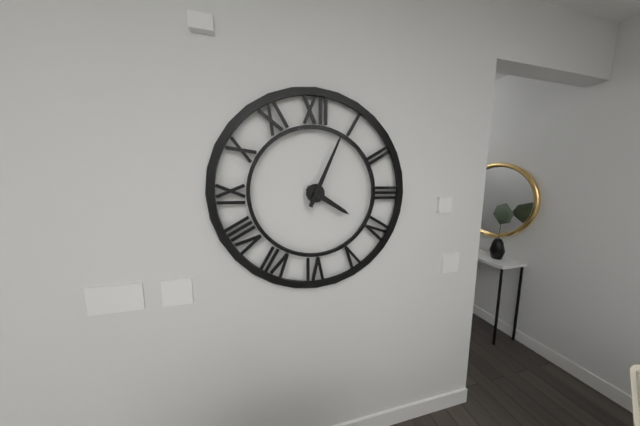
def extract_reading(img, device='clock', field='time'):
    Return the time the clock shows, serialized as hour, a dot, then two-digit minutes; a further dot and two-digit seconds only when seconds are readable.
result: 4.04
